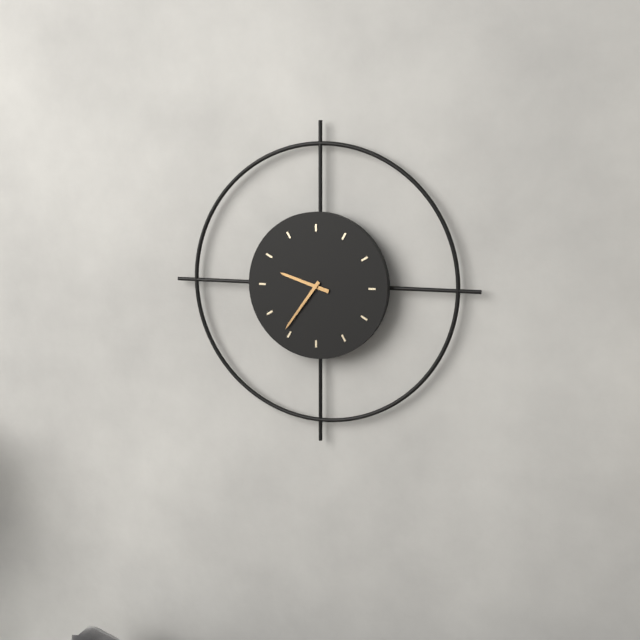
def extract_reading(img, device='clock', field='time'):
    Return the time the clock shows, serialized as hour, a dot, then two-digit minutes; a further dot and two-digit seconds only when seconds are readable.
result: 9.36
